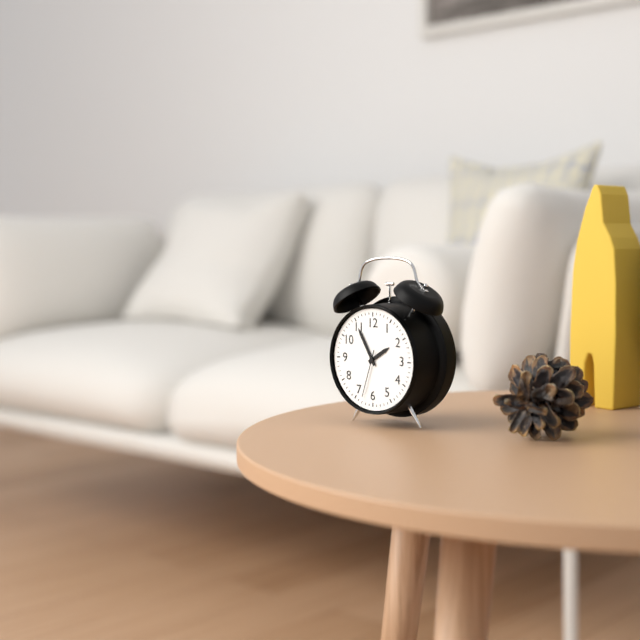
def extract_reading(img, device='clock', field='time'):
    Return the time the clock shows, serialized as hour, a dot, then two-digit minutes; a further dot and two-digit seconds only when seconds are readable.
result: 1.55
